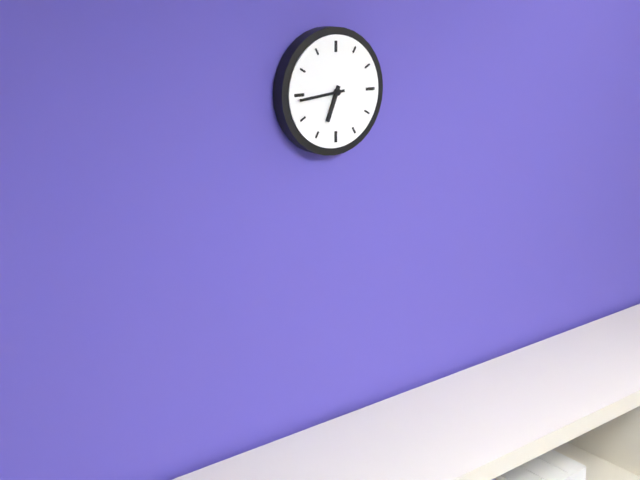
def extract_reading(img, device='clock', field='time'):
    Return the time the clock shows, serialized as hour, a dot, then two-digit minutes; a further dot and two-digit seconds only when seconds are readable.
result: 6.44
